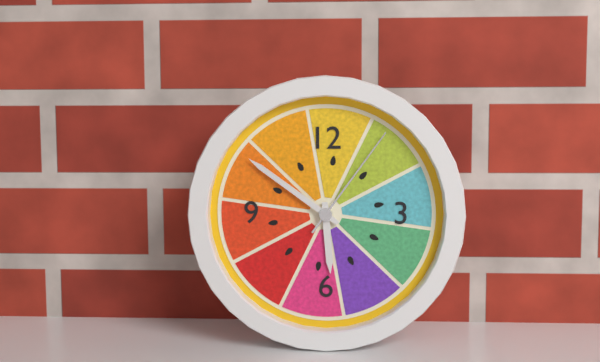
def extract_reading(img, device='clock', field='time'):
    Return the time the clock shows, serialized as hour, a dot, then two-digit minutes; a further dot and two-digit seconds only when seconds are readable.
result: 5.51.06
